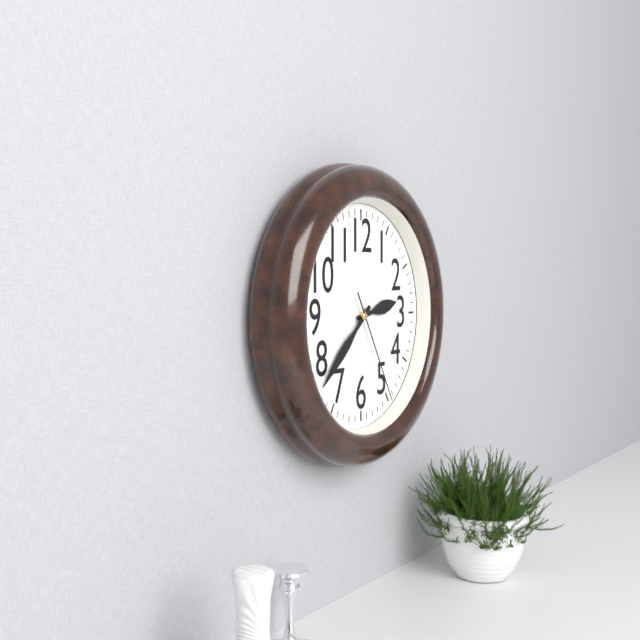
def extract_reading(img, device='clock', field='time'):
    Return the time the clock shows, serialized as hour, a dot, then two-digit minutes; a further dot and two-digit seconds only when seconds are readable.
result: 2.38.25
